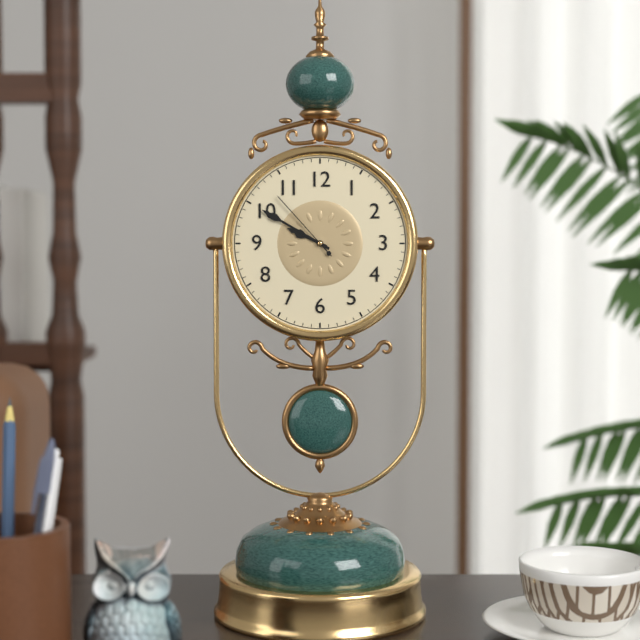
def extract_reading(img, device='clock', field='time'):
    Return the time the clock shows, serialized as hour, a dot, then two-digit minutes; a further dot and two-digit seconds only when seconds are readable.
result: 9.50.53
